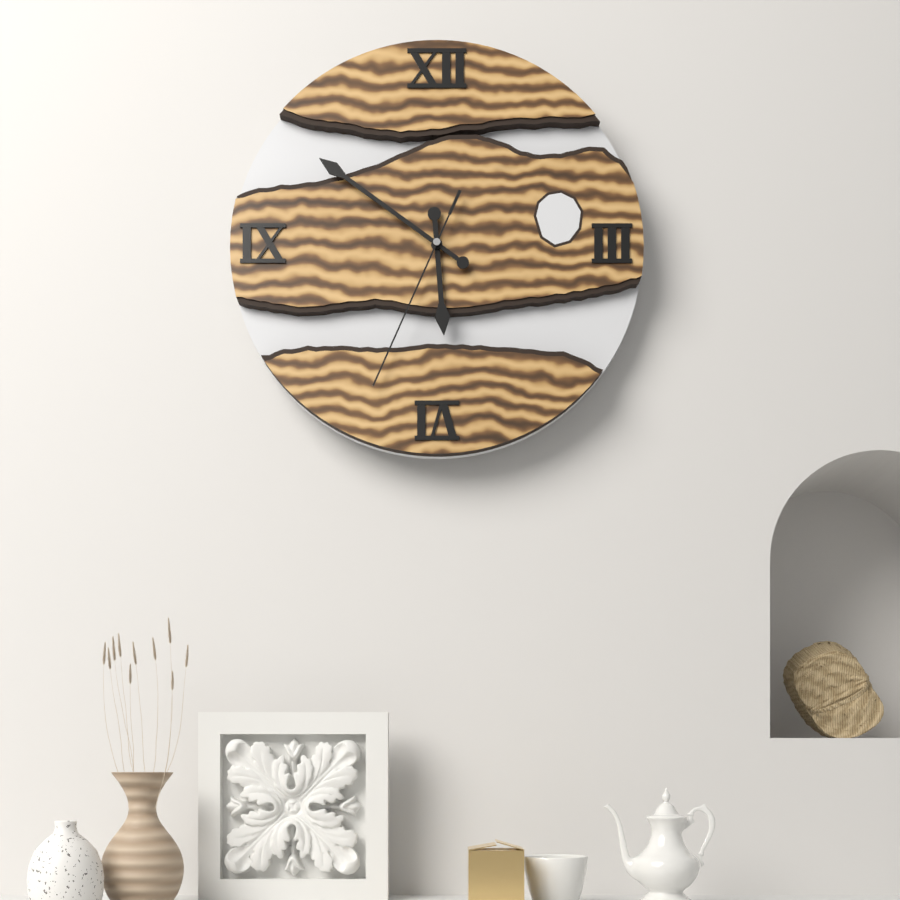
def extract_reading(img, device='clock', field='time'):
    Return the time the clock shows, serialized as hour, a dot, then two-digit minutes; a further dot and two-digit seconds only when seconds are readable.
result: 5.51.34
